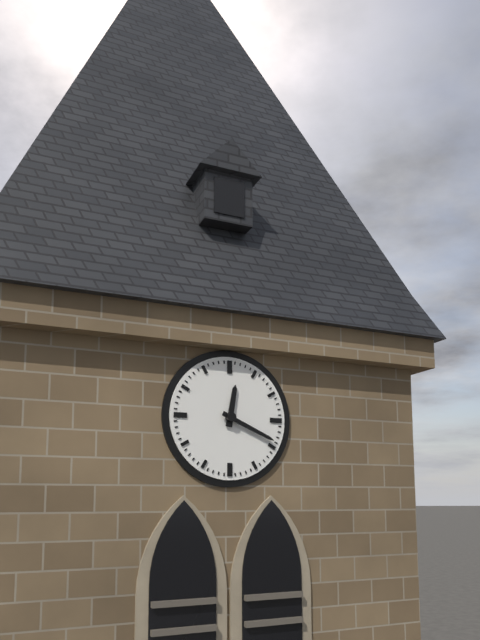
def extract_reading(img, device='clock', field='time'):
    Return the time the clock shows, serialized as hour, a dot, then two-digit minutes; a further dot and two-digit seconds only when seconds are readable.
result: 12.19
